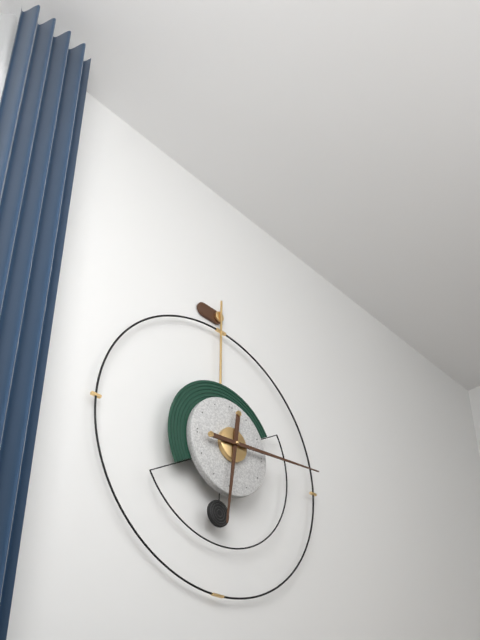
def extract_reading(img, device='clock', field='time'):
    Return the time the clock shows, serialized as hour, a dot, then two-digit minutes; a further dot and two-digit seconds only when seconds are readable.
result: 6.14
